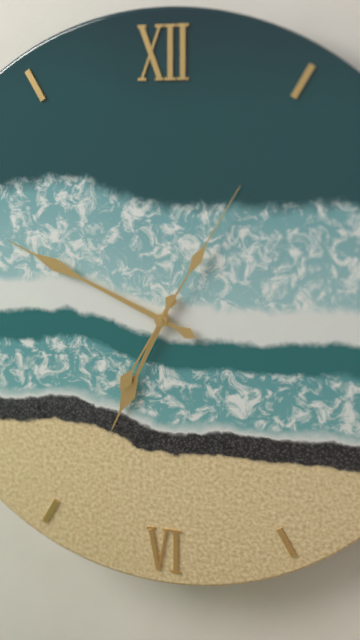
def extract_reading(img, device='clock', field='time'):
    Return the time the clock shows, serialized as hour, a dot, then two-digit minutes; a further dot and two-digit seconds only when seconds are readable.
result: 6.49.05
